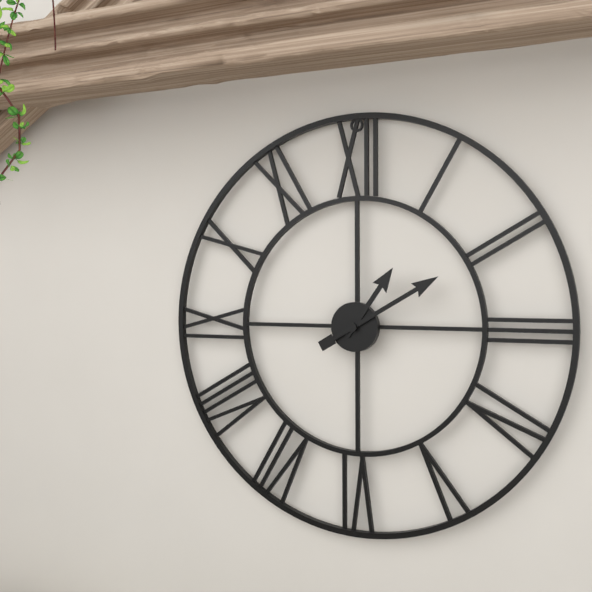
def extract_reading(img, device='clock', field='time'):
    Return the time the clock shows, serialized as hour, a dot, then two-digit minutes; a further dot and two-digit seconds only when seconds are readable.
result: 1.10
